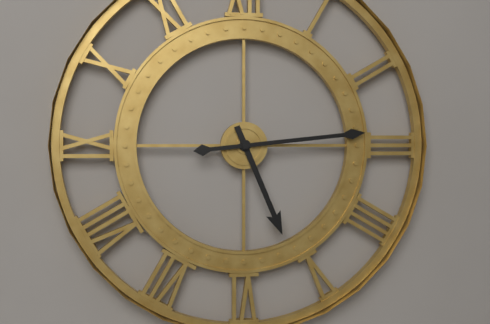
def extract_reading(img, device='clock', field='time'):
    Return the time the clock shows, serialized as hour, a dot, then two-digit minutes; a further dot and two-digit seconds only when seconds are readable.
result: 5.14
